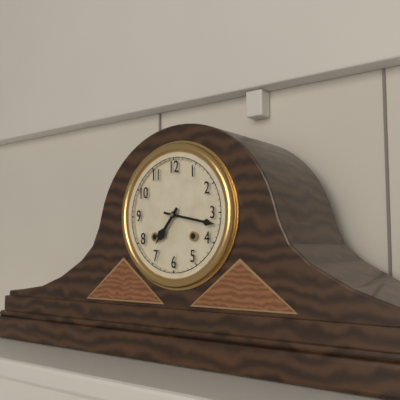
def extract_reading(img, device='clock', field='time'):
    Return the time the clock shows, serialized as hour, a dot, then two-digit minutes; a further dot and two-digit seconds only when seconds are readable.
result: 7.17
